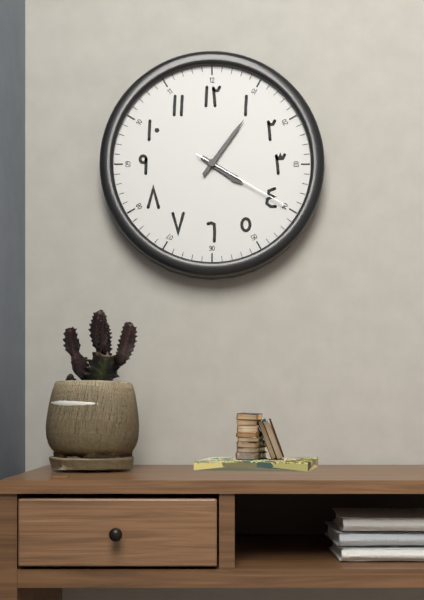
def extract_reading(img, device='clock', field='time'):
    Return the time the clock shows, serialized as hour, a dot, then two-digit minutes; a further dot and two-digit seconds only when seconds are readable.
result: 4.06.20
